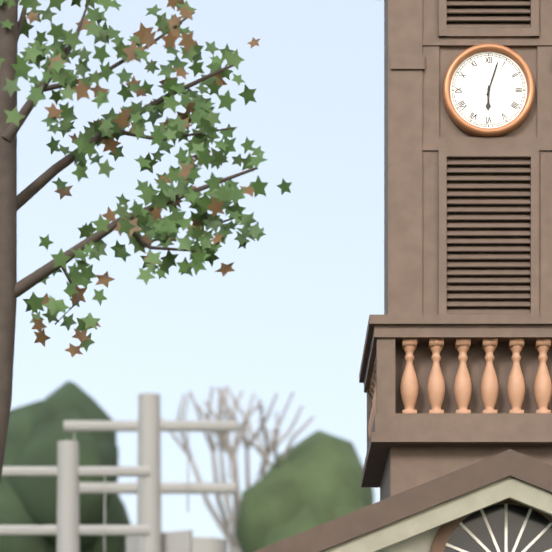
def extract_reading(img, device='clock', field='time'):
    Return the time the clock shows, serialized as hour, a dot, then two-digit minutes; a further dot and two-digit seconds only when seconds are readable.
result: 6.03
